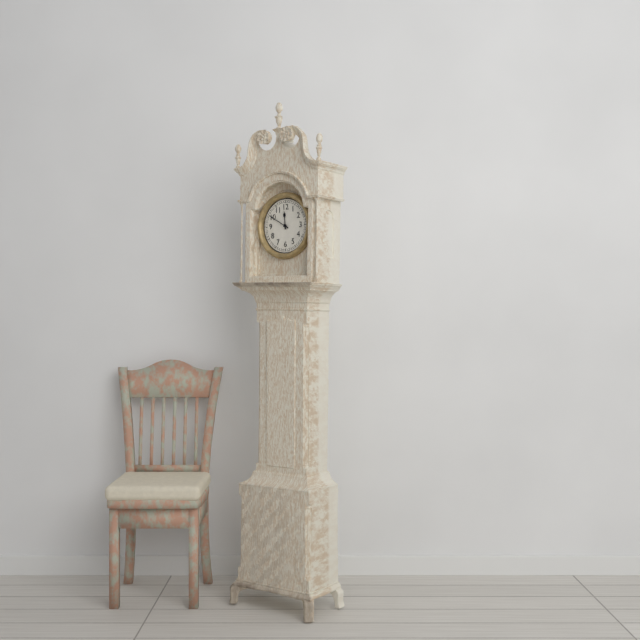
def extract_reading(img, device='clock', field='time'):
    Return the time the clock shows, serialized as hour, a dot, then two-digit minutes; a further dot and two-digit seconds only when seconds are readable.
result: 11.50
